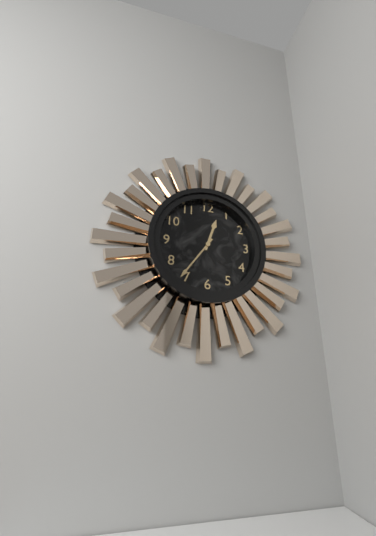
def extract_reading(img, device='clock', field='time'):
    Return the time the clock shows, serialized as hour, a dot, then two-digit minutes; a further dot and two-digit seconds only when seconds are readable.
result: 12.36
